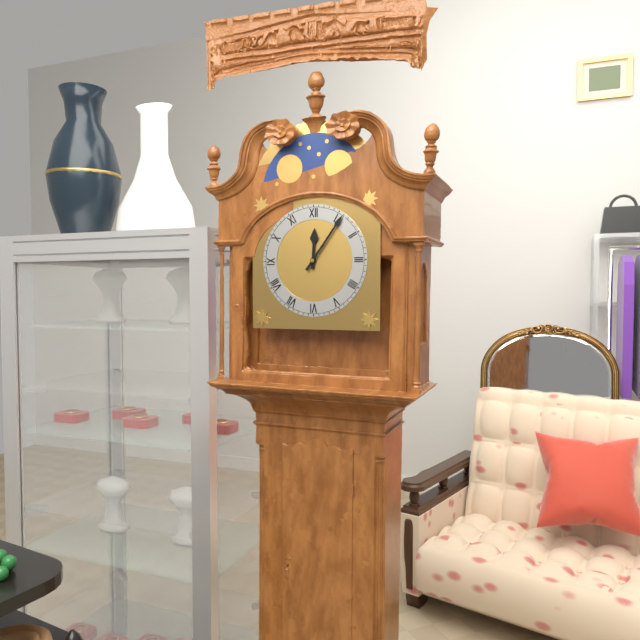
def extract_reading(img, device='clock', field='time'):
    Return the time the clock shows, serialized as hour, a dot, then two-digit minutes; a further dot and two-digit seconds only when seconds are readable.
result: 12.06
